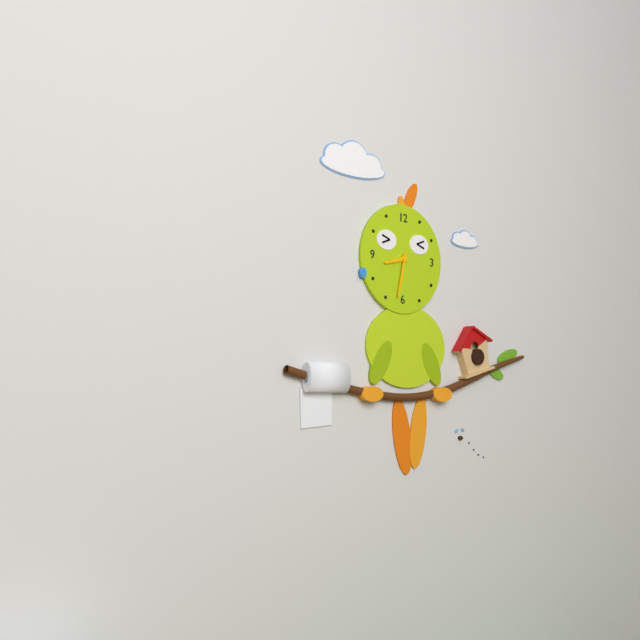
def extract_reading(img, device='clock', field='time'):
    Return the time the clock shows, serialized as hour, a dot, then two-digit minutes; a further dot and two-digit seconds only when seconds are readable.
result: 8.32
